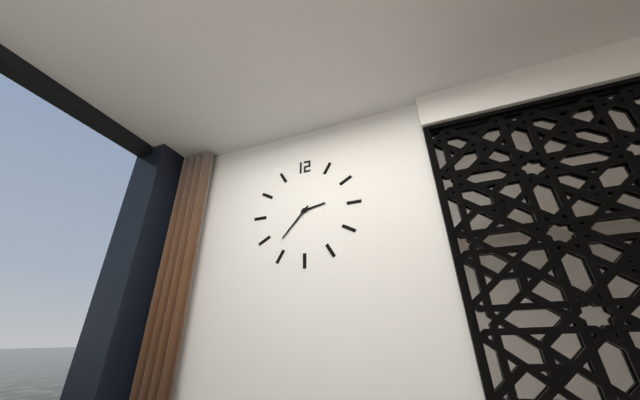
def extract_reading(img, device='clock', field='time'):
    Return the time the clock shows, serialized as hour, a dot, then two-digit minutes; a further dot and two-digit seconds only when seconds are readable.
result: 2.37
